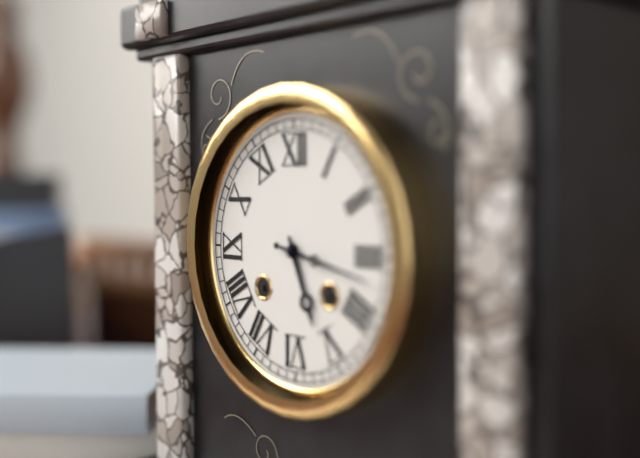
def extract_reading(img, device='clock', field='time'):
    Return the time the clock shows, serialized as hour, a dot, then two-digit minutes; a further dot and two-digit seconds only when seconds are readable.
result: 5.17
